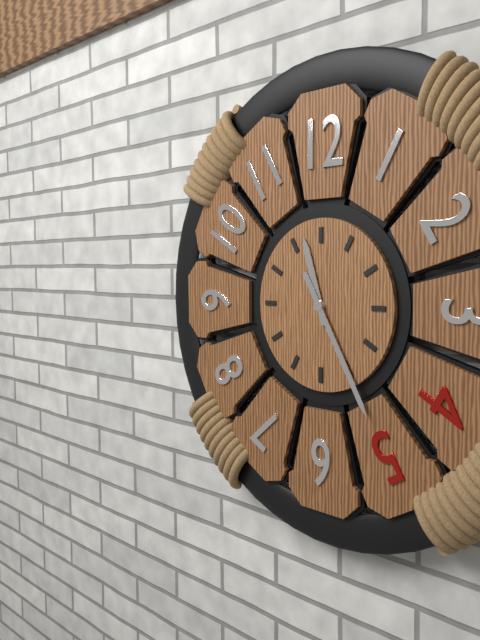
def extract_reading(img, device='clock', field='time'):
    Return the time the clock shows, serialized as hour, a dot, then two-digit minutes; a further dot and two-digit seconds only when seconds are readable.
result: 11.25
